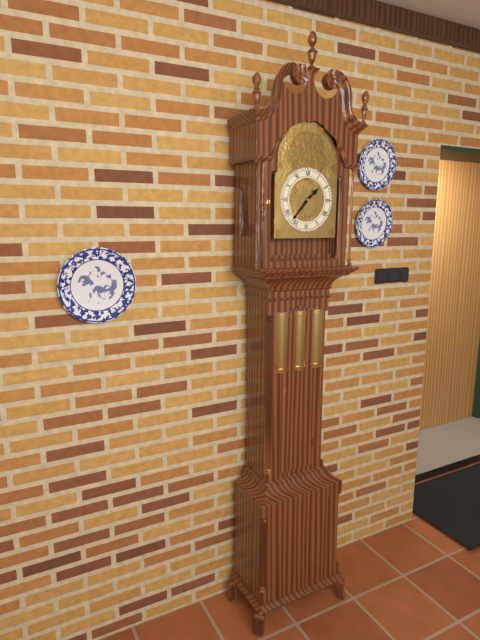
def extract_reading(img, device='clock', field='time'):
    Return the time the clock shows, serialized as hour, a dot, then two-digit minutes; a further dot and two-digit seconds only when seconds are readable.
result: 1.37
